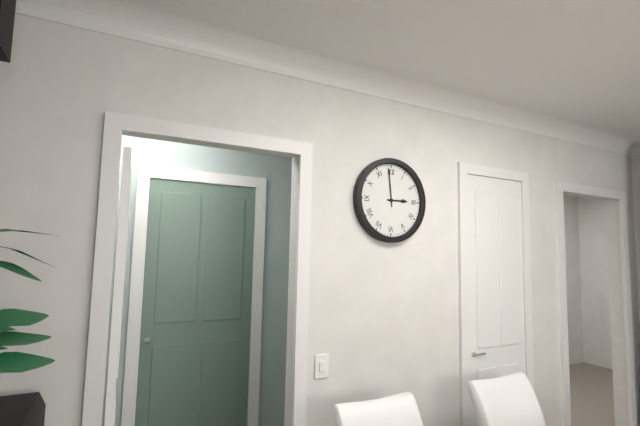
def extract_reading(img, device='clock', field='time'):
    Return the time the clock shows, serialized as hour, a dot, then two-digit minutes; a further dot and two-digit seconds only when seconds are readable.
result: 2.59
